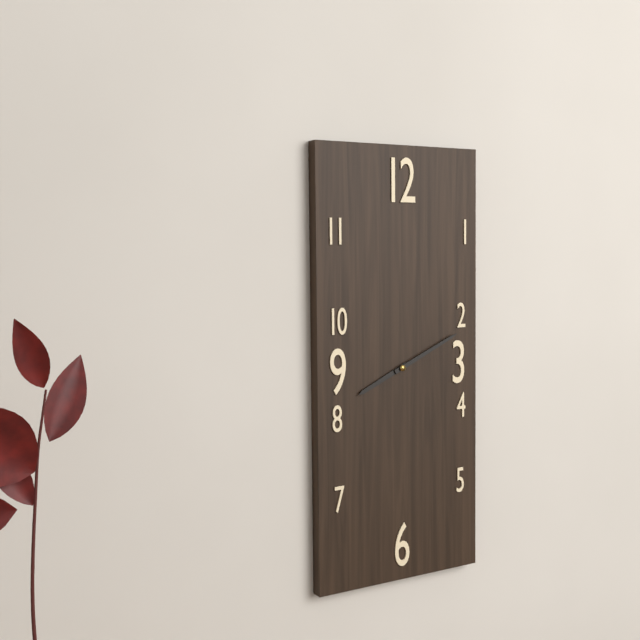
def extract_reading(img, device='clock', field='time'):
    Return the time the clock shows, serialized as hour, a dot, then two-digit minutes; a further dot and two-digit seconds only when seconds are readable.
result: 8.11
